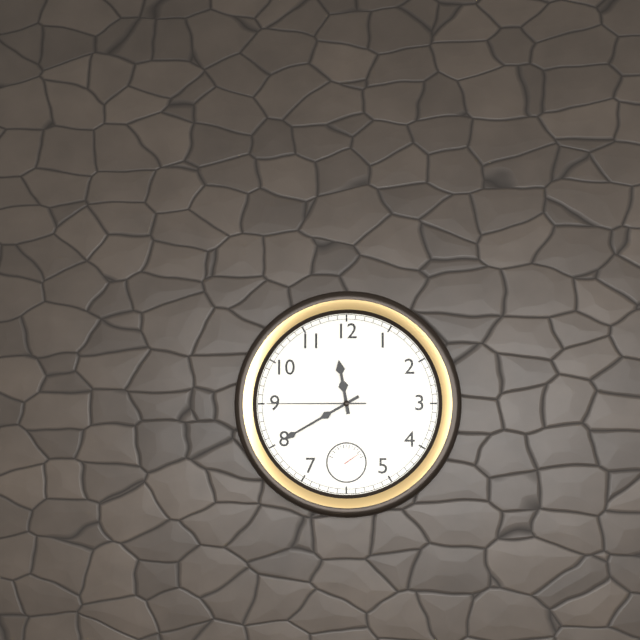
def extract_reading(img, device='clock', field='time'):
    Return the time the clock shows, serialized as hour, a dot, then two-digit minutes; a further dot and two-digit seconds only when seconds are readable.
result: 11.40.45
